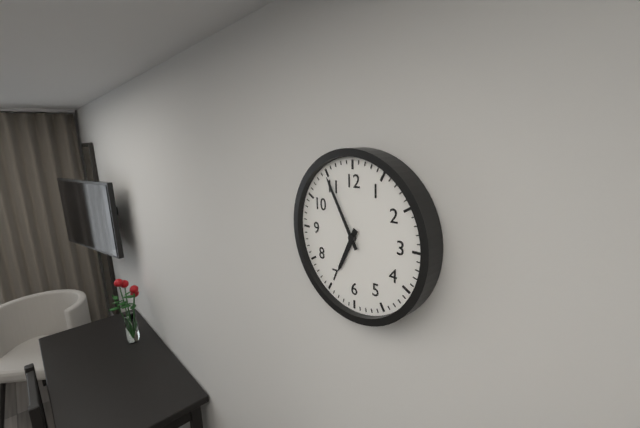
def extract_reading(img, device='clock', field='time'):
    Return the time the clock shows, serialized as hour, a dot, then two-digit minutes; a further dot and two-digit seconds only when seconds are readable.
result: 6.55
